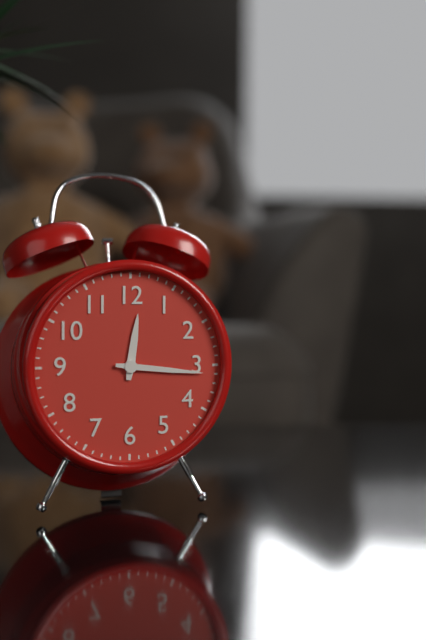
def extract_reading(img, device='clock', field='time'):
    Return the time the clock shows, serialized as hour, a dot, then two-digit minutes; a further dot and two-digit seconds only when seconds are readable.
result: 12.16
